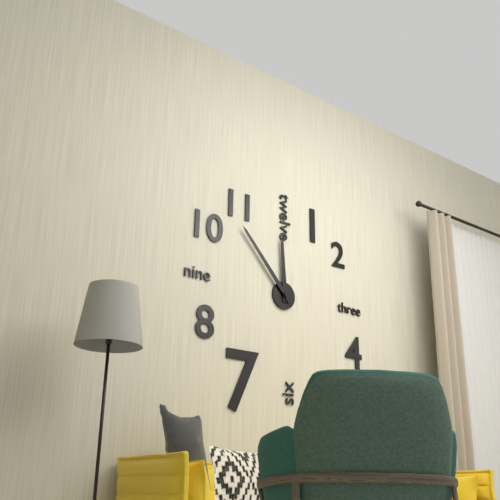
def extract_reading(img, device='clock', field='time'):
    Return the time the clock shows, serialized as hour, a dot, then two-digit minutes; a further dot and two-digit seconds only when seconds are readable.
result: 11.53
